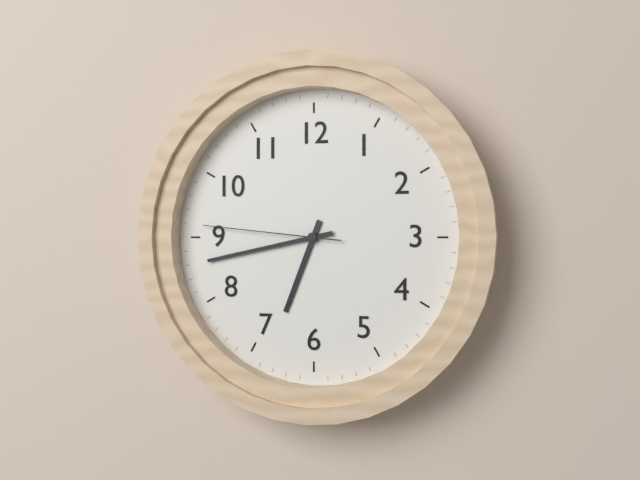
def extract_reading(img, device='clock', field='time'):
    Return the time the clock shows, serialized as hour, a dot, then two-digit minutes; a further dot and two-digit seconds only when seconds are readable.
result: 6.43.46
